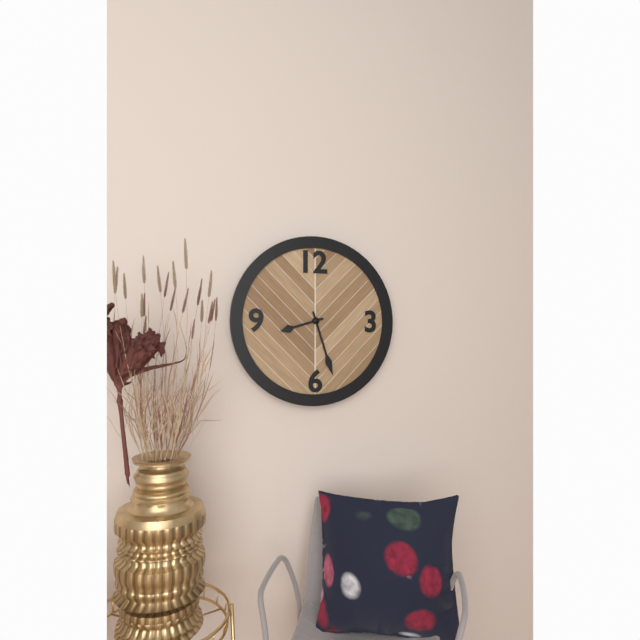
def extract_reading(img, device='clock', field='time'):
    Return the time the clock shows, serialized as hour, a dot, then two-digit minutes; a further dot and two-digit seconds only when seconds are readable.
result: 8.27
